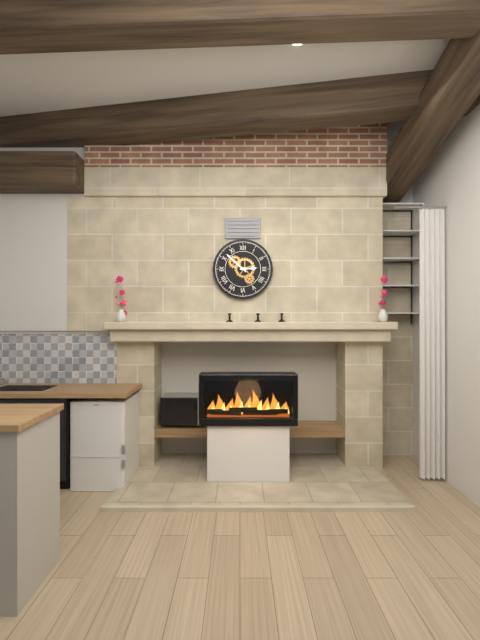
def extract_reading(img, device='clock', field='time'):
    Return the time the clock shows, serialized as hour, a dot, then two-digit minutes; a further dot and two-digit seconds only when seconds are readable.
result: 2.52
